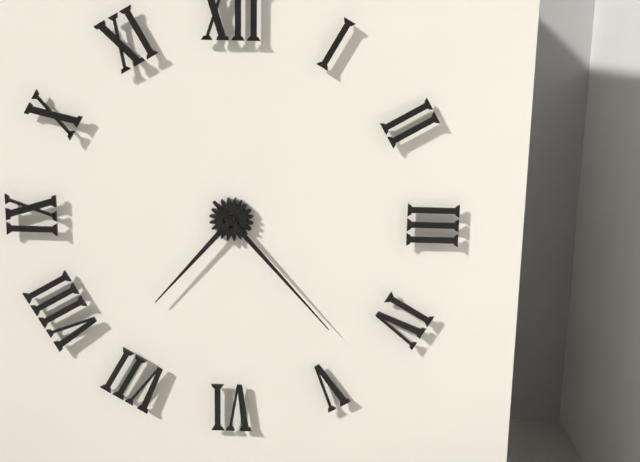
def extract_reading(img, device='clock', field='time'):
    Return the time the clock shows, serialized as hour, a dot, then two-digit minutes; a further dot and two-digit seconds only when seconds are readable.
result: 7.23
